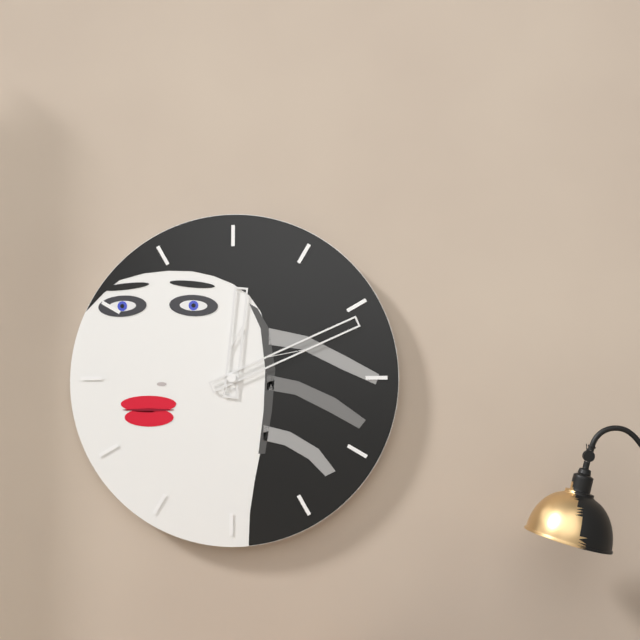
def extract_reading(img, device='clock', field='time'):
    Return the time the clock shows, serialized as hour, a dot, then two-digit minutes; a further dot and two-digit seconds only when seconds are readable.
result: 12.11
